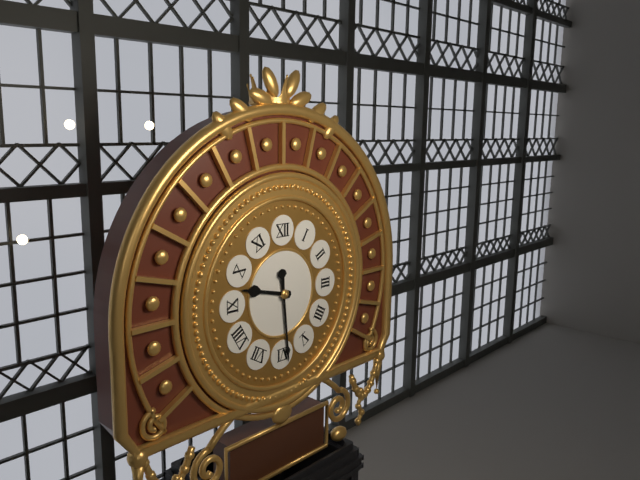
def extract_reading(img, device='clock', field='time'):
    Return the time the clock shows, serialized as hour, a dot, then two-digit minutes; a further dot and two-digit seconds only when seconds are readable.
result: 9.29
